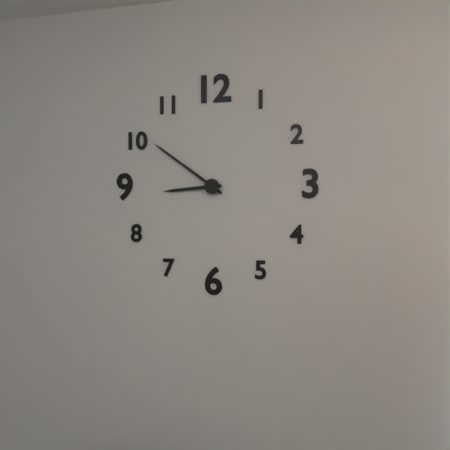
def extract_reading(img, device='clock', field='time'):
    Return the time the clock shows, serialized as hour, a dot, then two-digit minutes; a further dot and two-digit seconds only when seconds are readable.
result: 8.51
